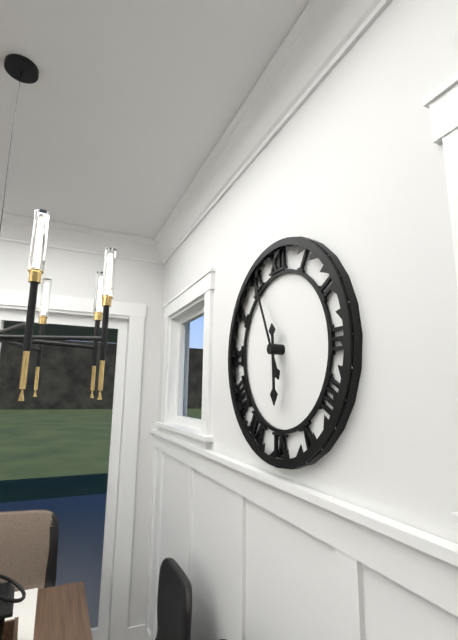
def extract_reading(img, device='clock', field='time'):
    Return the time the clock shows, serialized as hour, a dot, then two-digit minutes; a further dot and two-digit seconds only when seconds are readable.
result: 5.56
